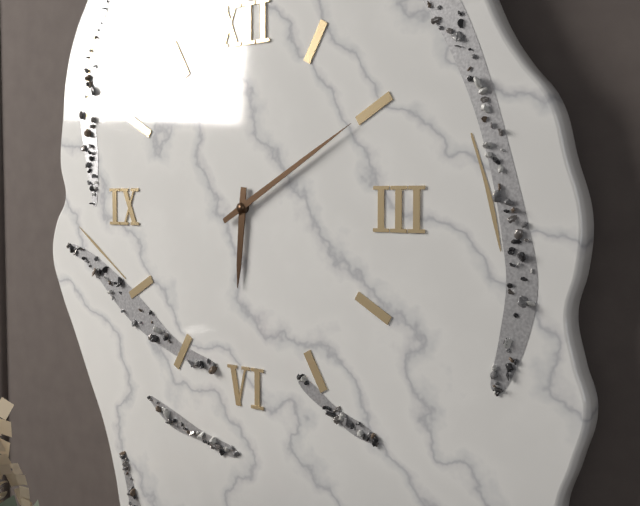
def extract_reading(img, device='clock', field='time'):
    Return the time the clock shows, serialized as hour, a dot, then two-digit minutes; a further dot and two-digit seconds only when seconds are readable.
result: 6.10
